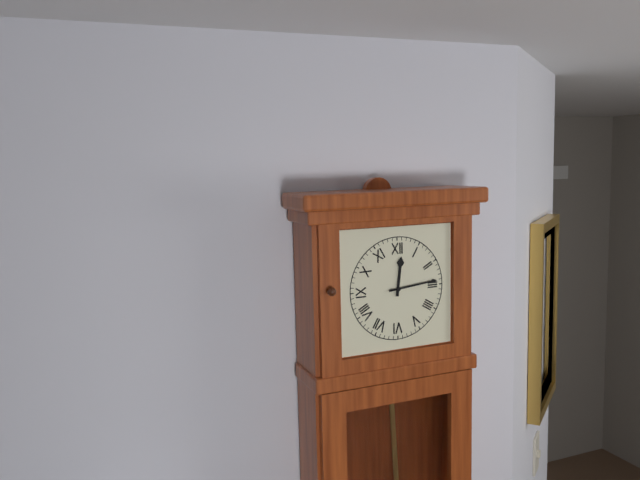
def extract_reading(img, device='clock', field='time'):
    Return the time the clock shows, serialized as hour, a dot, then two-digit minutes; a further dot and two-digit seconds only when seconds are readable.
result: 12.14
